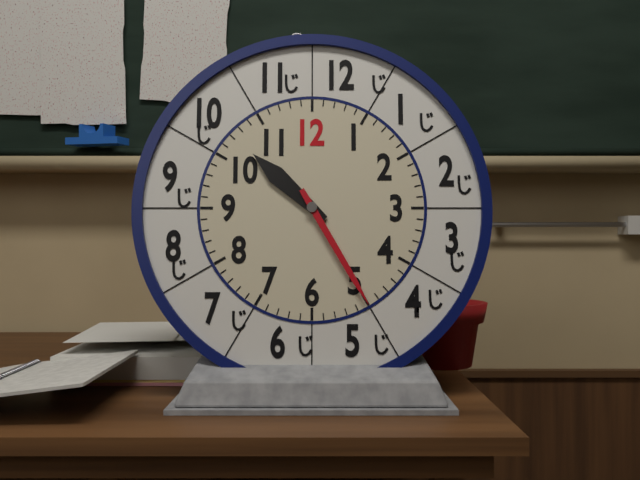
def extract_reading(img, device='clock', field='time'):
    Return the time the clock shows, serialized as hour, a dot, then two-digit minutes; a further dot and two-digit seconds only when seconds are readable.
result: 10.25
